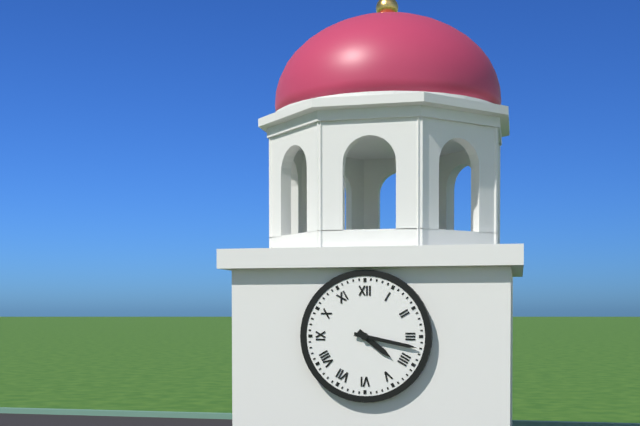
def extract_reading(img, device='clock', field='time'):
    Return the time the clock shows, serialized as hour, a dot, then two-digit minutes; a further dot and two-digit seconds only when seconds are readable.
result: 4.17
